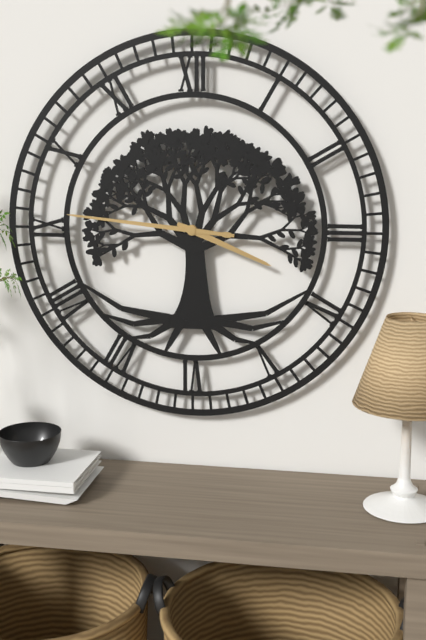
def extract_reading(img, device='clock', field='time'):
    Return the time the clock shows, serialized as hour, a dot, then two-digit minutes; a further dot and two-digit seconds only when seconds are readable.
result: 3.46
